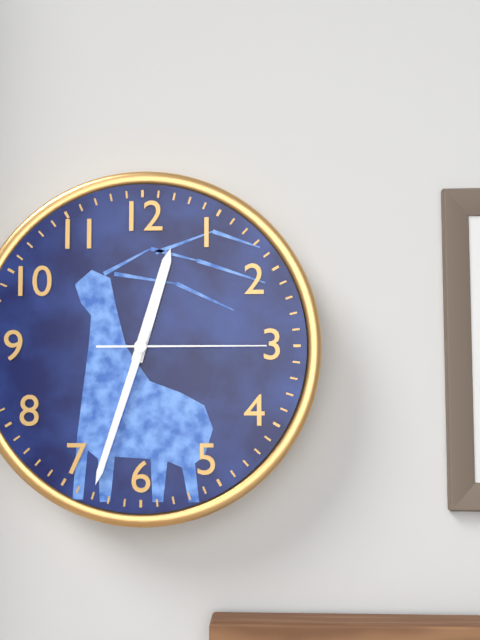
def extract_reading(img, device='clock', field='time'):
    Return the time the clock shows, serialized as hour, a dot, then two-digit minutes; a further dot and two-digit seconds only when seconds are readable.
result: 12.33.15
